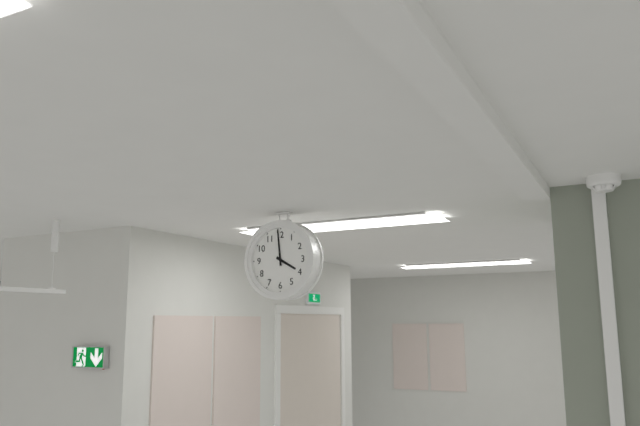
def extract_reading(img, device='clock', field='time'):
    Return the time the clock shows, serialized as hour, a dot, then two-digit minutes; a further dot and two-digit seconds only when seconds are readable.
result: 3.59
